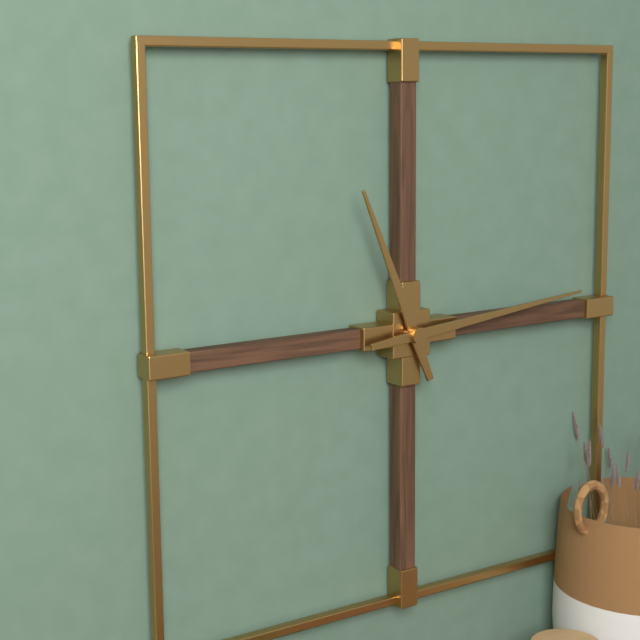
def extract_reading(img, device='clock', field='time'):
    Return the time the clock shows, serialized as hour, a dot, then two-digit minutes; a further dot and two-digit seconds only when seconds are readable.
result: 11.14
